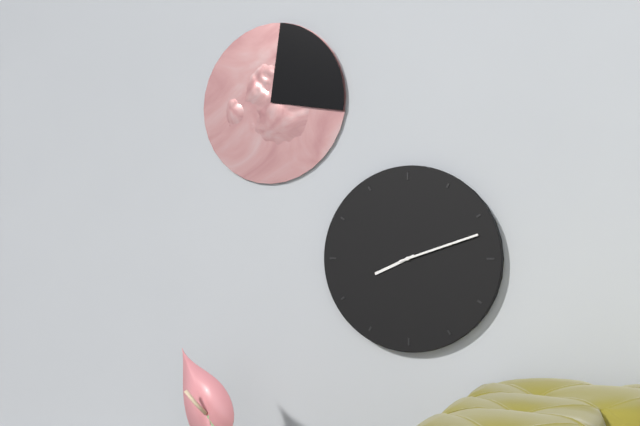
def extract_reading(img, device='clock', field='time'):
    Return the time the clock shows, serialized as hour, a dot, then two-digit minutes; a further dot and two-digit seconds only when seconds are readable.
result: 8.12
